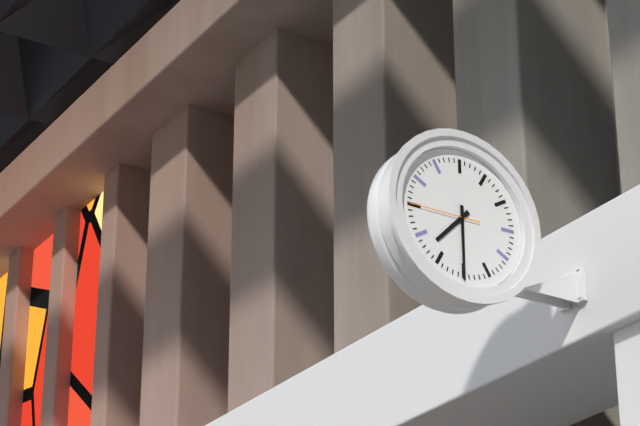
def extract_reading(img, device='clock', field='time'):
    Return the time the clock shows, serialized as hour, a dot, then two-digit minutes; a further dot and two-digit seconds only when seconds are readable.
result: 7.30.45
